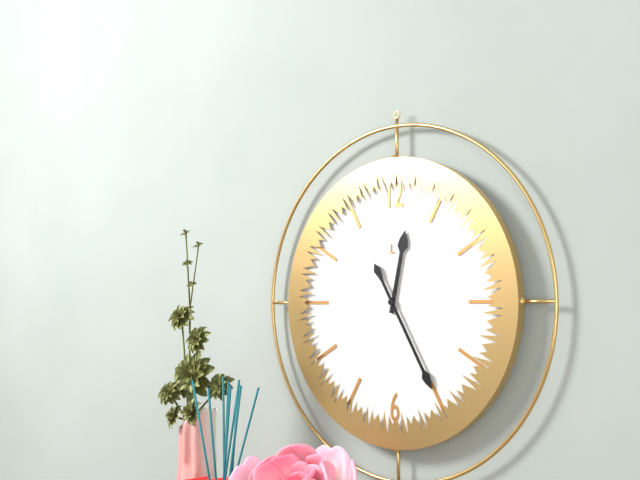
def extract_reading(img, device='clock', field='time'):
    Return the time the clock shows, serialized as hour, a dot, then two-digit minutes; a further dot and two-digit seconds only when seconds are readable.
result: 12.25
